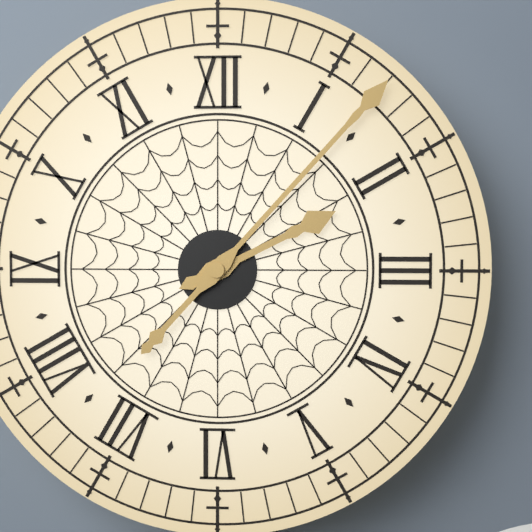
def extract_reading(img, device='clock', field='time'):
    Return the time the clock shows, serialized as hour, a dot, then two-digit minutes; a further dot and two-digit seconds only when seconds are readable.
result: 2.07
